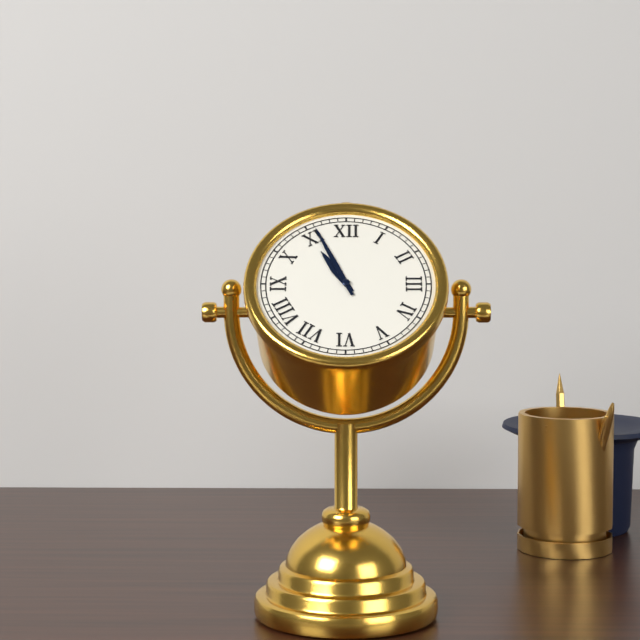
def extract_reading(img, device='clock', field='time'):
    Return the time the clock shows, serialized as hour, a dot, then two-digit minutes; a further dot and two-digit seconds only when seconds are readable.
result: 10.56
